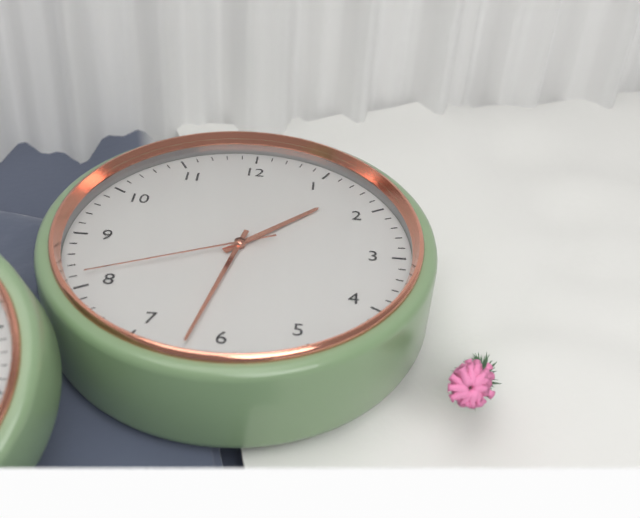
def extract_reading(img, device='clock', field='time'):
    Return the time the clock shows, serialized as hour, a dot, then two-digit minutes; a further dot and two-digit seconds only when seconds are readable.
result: 1.32.41
